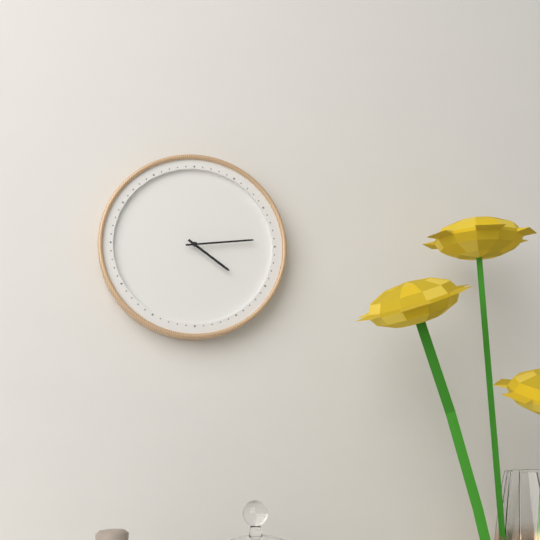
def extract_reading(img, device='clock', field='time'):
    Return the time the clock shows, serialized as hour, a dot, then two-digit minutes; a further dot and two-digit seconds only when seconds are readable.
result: 4.14
